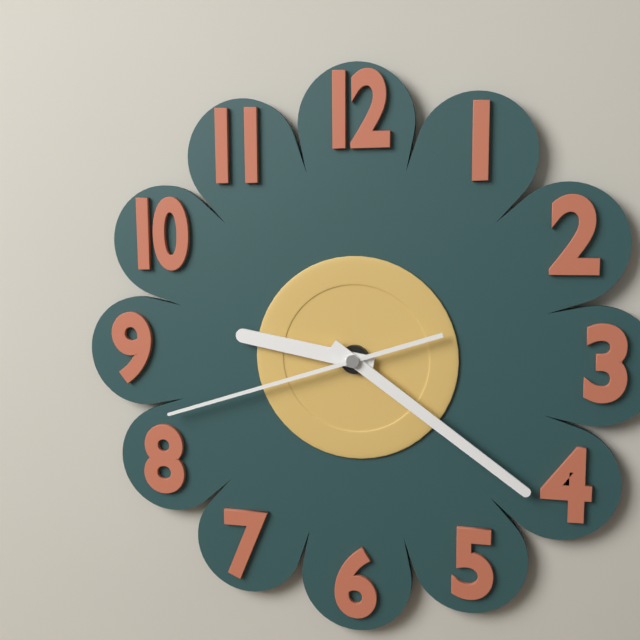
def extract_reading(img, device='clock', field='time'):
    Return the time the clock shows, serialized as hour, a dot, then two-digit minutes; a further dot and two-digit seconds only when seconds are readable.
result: 9.21.42
